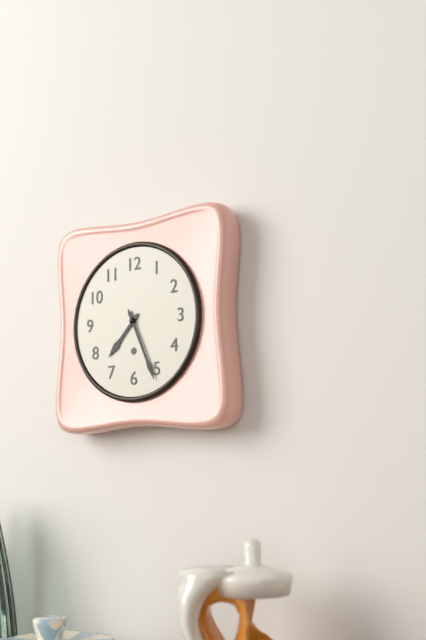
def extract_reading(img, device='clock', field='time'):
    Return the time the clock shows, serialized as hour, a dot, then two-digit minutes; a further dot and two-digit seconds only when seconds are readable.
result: 7.26
